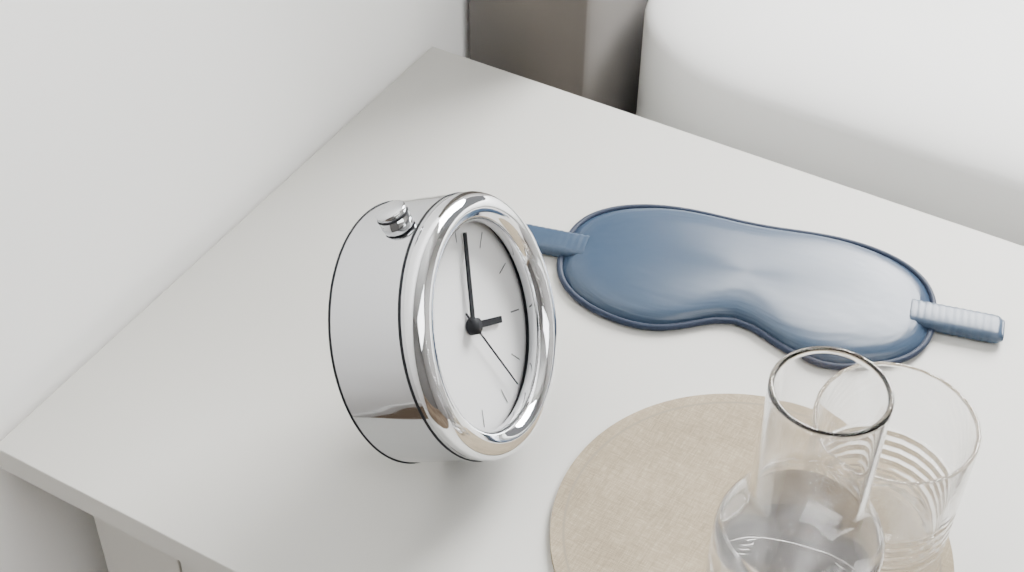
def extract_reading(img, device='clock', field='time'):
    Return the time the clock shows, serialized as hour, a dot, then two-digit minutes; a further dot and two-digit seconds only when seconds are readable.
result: 4.06.28
